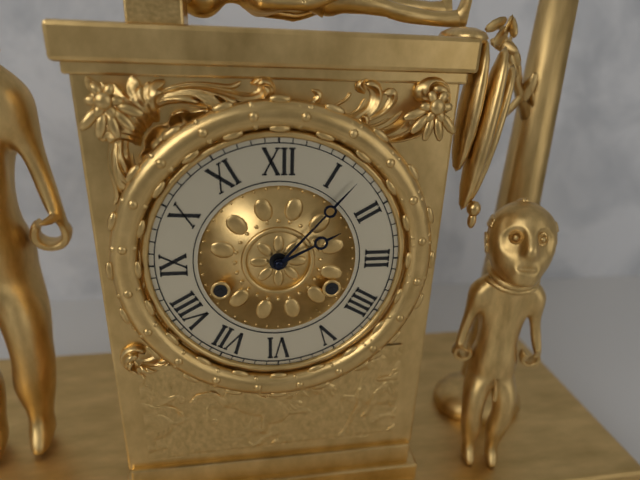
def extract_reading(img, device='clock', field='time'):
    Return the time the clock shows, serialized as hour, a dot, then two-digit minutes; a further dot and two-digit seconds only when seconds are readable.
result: 2.07
